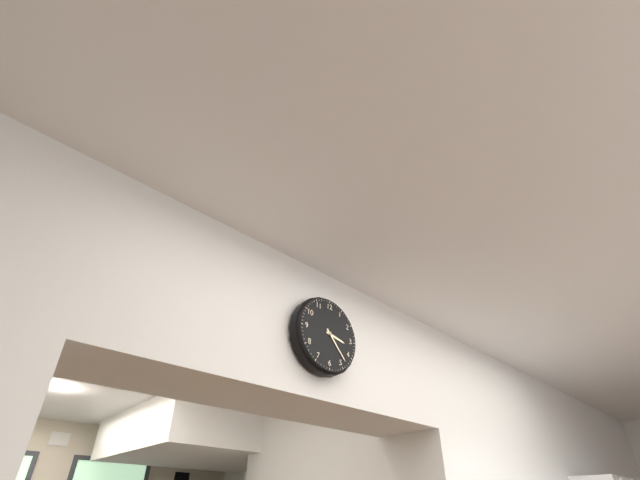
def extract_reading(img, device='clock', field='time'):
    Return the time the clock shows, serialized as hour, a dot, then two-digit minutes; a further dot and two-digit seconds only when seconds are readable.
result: 3.23
